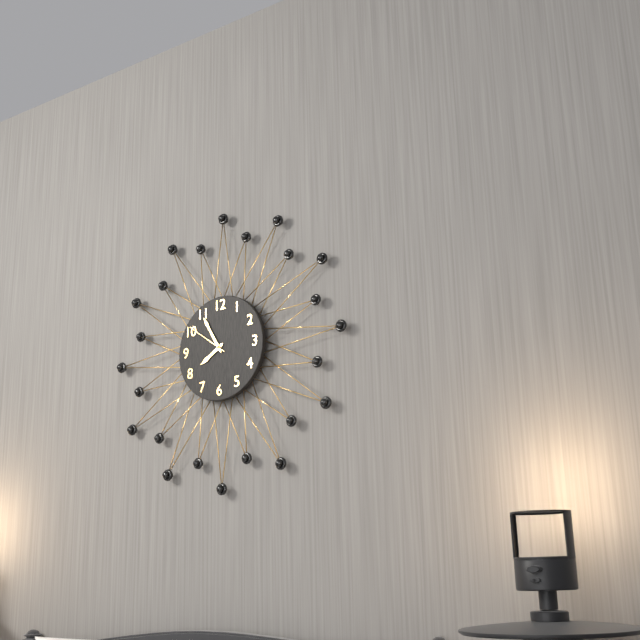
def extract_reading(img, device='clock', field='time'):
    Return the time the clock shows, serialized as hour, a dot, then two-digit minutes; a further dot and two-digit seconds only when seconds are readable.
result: 7.55.51
